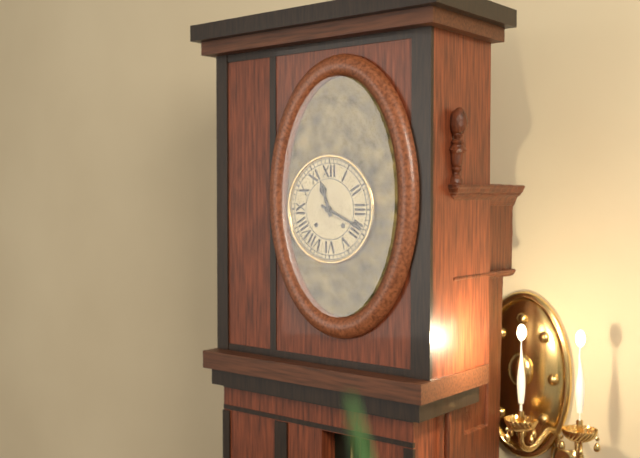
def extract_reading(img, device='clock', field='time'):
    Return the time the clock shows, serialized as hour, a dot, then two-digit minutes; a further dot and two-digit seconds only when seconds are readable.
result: 11.19
